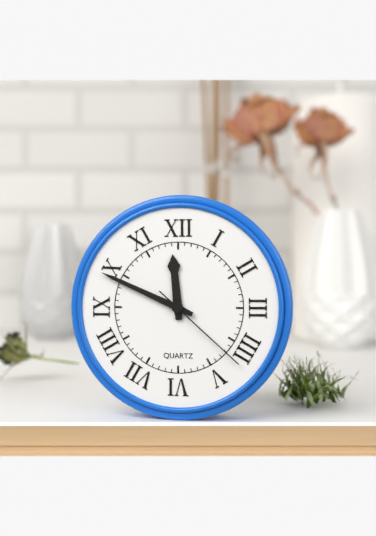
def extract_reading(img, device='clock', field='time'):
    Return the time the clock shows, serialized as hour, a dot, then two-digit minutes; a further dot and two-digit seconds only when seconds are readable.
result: 11.49.22
